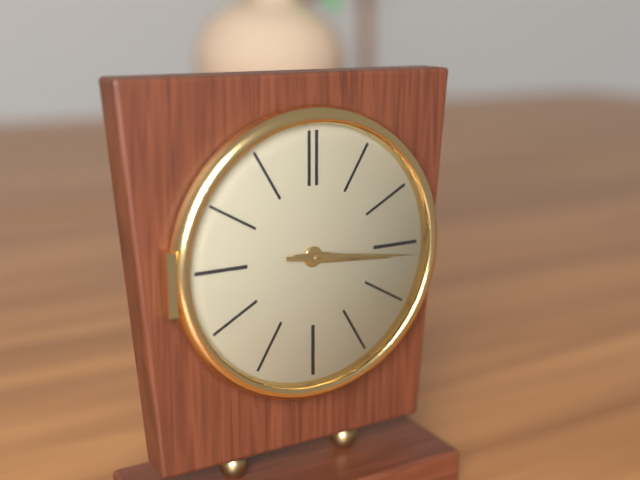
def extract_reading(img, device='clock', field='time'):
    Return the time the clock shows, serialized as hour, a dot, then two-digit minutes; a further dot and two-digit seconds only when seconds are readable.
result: 3.16
